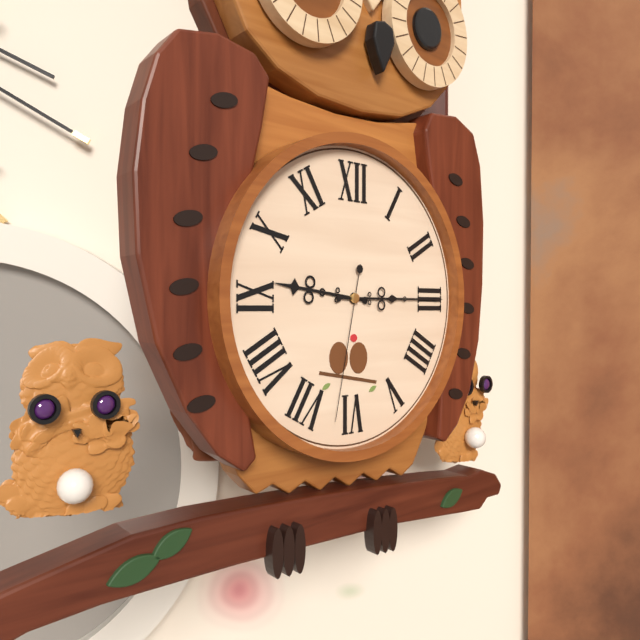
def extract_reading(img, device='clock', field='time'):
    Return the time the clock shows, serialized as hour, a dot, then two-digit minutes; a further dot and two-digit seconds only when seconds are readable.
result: 9.15.32
